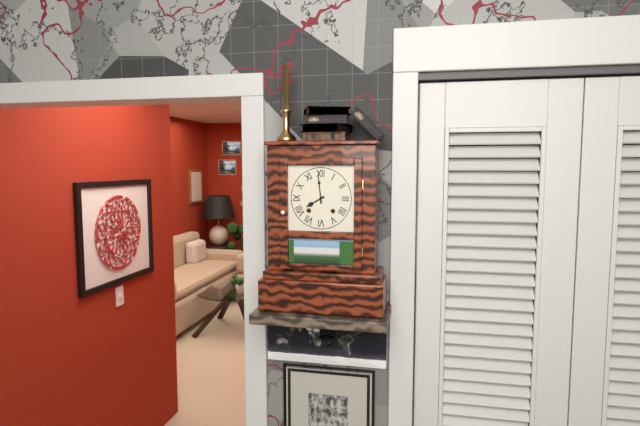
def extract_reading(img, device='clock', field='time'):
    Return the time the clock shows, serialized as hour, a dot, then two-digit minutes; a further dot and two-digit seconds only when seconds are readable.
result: 7.59
